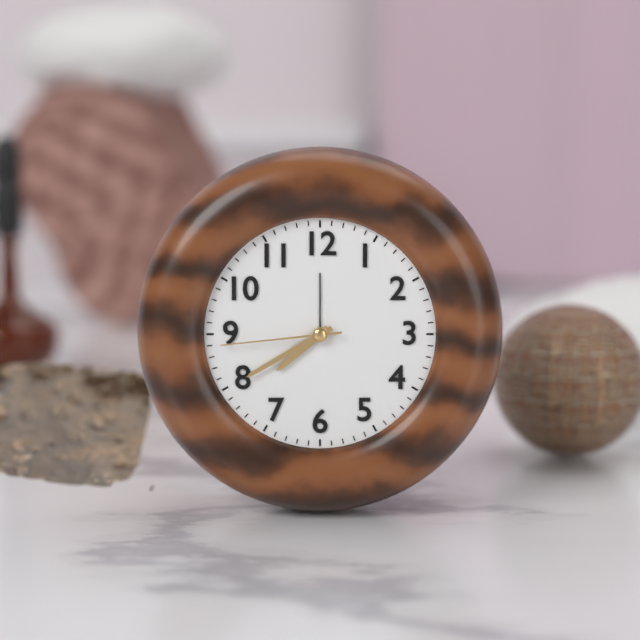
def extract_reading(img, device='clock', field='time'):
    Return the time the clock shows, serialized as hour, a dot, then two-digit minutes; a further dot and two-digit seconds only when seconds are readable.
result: 7.40.44
